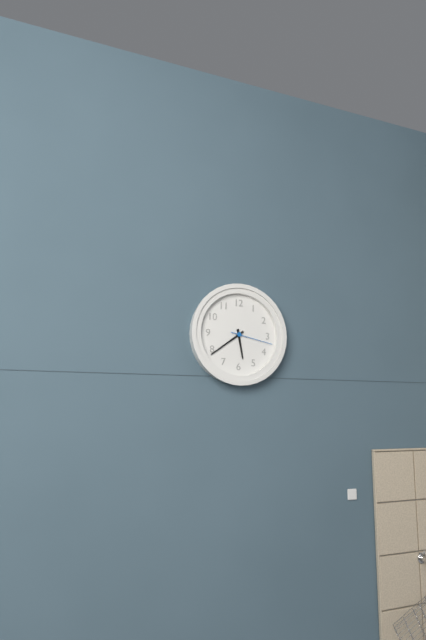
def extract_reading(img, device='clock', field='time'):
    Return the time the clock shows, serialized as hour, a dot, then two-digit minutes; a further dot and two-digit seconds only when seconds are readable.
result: 5.39
